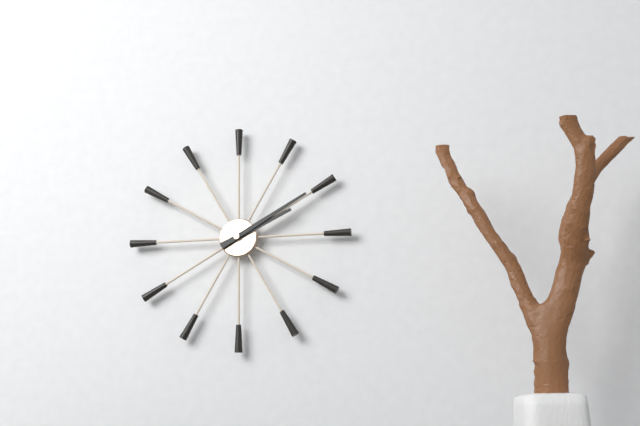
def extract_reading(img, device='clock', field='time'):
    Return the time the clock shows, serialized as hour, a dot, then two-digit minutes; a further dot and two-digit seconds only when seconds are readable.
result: 2.10
